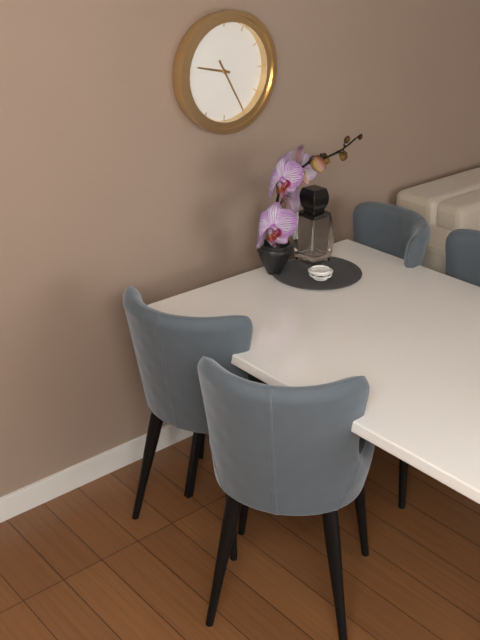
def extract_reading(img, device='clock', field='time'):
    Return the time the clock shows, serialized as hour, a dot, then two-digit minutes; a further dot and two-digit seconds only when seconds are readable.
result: 9.25
